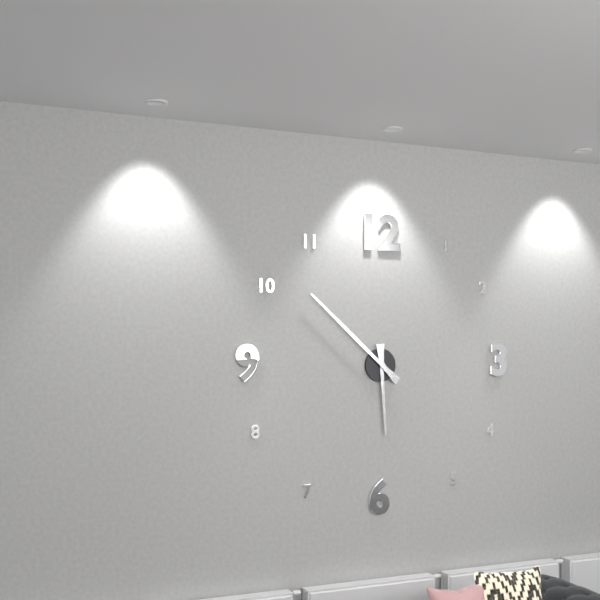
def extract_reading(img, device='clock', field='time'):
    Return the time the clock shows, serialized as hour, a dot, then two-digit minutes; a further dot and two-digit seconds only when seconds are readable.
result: 5.52
